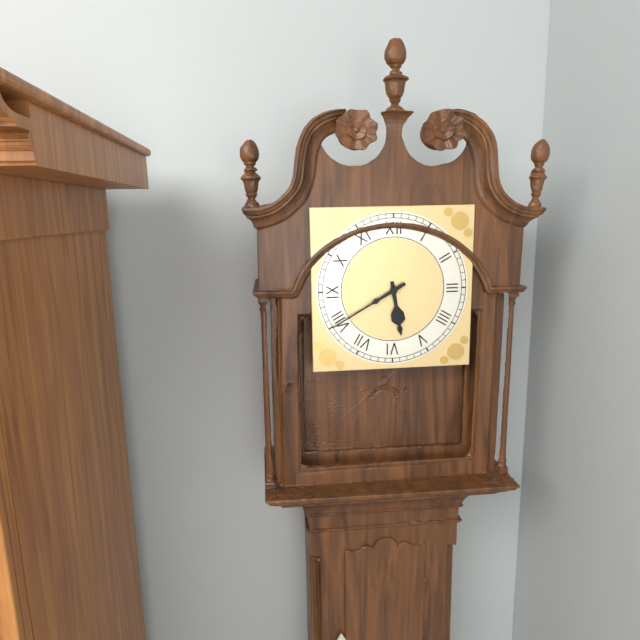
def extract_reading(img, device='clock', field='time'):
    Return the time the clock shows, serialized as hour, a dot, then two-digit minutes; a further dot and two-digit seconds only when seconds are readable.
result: 5.40
